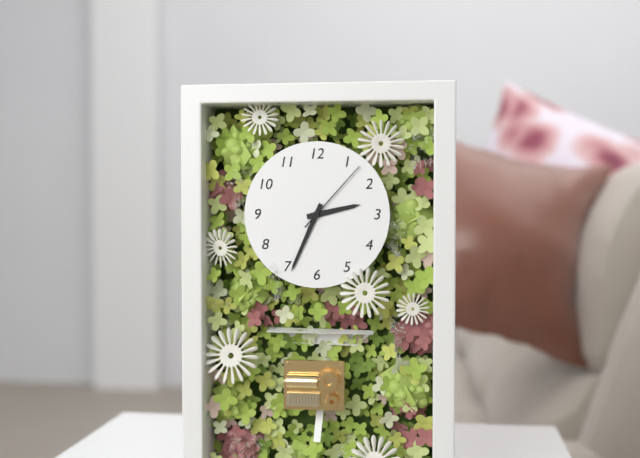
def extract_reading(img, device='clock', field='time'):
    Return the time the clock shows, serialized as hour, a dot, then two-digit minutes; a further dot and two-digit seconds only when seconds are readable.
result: 2.34.07
